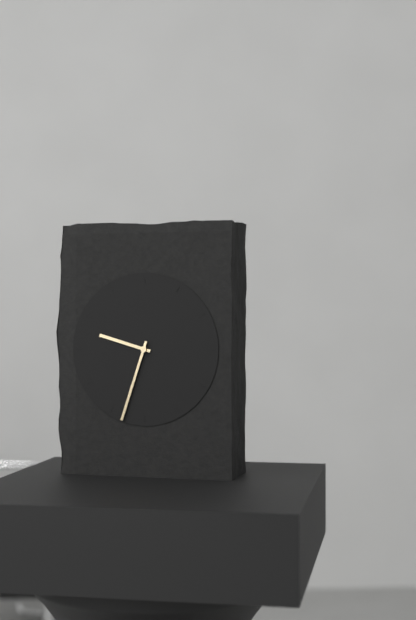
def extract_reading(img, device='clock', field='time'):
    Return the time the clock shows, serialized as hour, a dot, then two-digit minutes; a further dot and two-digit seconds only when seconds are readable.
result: 9.33
